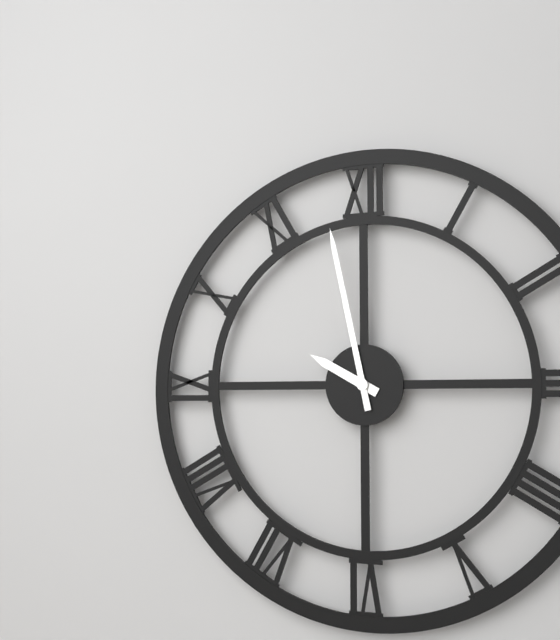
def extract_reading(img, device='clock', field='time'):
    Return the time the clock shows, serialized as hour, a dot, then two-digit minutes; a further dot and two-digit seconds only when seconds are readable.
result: 9.58
